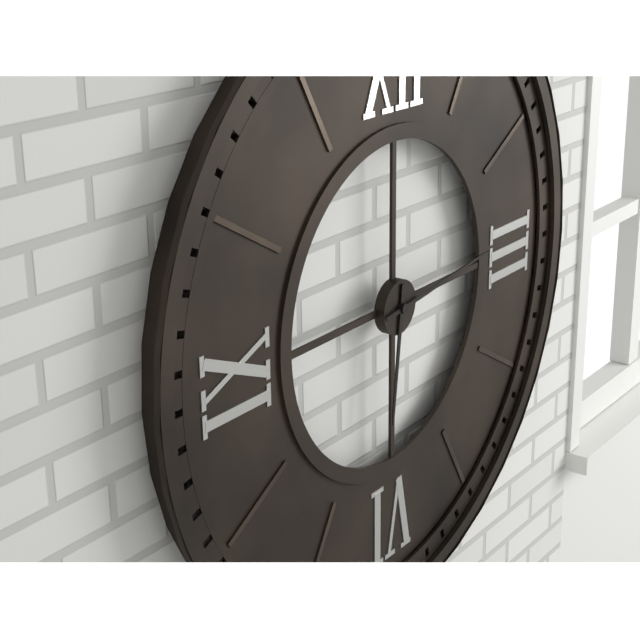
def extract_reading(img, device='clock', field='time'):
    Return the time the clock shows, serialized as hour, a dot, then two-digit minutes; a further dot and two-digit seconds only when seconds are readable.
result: 6.14
